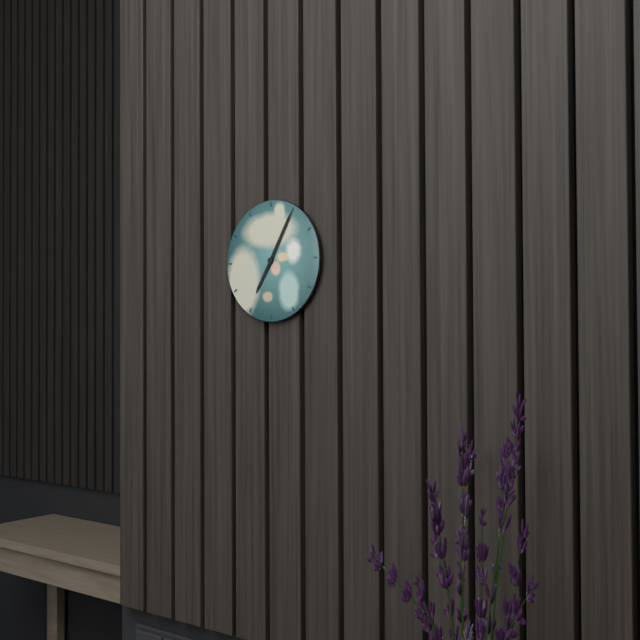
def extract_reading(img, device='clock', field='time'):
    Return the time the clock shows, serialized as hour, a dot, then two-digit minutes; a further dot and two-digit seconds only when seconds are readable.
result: 7.05
